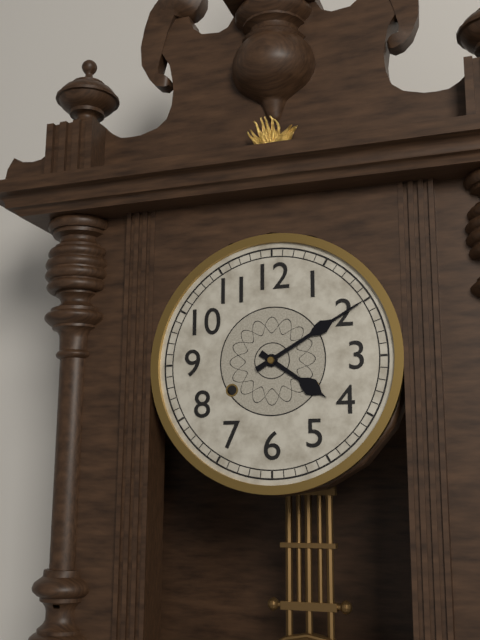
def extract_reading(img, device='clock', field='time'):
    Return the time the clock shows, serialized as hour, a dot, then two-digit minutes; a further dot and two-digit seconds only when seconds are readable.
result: 4.10
